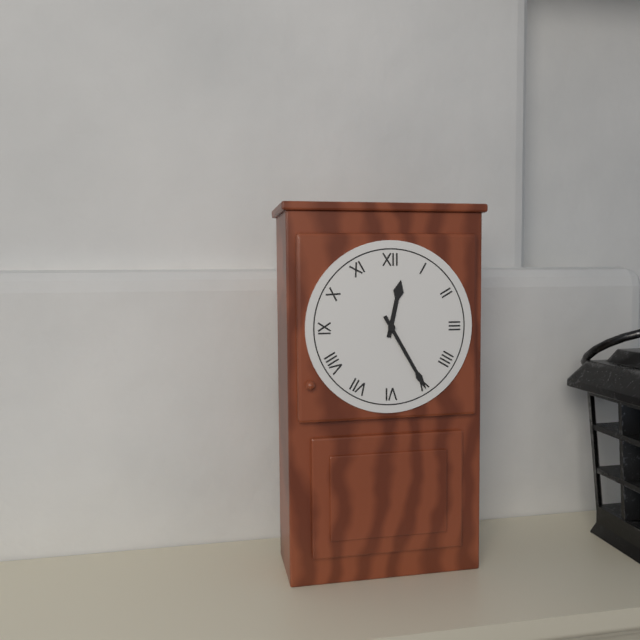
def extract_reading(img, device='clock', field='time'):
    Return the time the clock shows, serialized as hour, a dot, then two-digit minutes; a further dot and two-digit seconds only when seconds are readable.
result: 12.25
